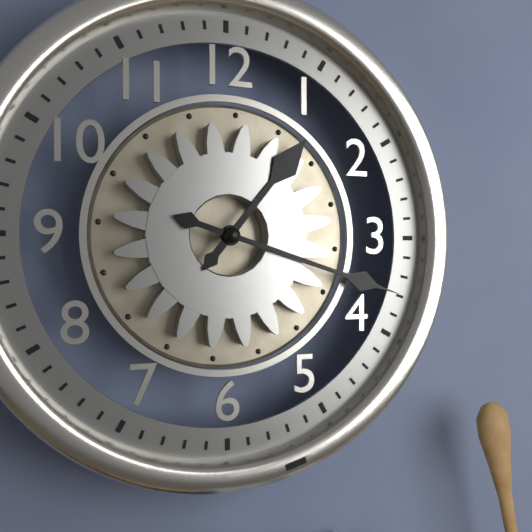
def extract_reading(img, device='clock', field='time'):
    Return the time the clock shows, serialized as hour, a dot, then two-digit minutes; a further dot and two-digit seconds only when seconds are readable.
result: 1.18
